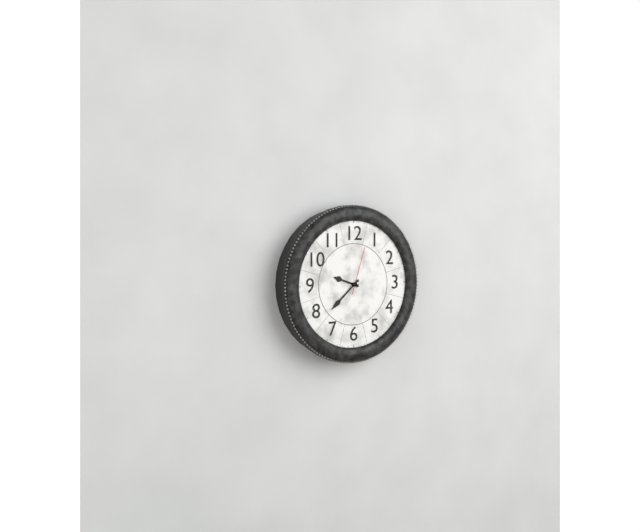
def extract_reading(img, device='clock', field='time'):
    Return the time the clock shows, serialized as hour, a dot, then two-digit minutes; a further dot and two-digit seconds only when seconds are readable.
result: 9.38
